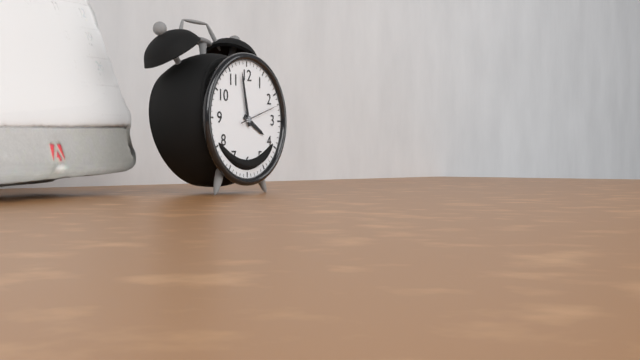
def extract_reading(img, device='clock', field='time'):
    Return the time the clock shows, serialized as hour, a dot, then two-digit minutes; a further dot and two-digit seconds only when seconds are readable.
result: 3.58
